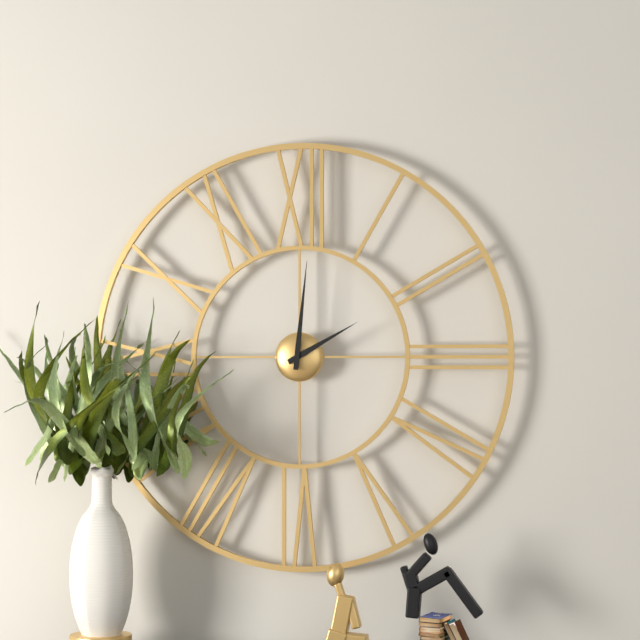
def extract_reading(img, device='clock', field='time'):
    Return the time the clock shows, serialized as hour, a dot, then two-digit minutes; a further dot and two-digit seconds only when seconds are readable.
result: 2.01
